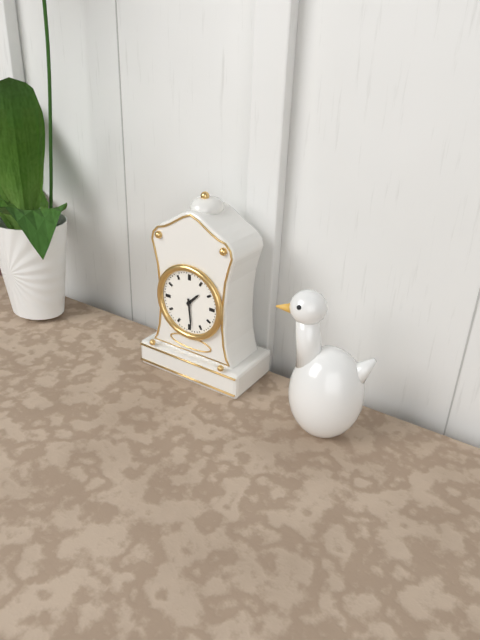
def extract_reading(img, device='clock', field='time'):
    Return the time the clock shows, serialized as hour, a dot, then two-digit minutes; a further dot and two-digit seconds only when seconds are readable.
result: 1.29
